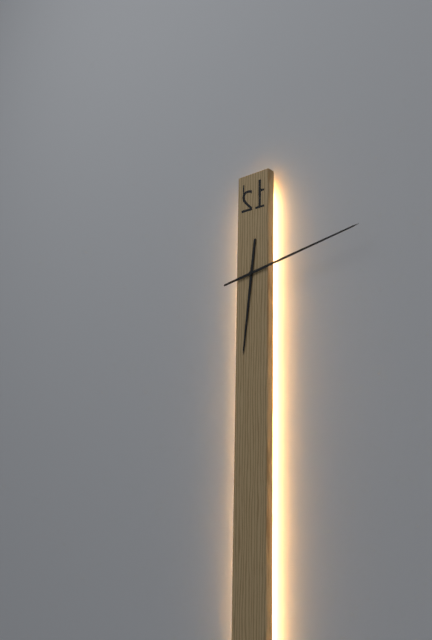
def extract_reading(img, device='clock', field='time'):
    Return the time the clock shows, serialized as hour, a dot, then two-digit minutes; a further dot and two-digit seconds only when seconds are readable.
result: 6.13
